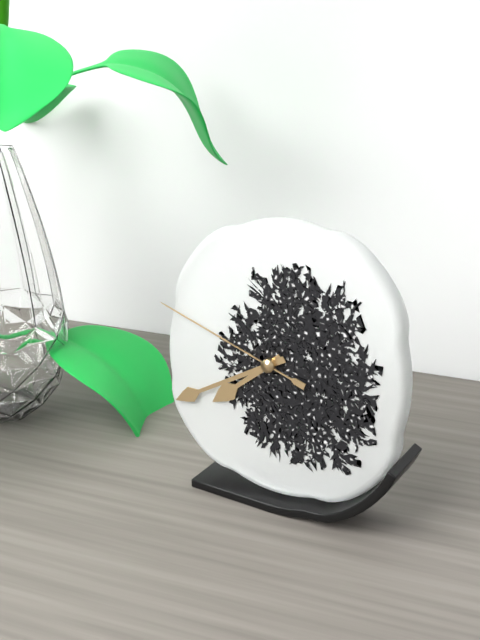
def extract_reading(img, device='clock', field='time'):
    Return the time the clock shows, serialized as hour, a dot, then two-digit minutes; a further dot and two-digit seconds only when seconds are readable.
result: 7.40.48
